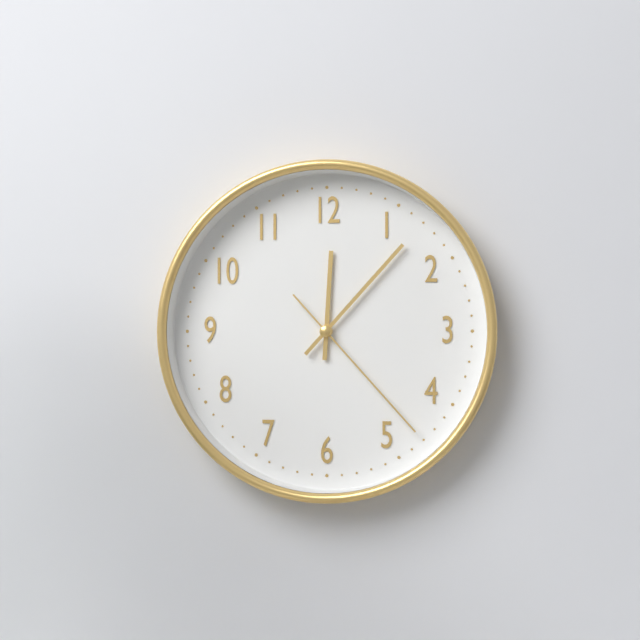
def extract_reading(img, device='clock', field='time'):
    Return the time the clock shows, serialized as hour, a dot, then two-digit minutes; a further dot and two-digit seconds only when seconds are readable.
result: 12.07.23
